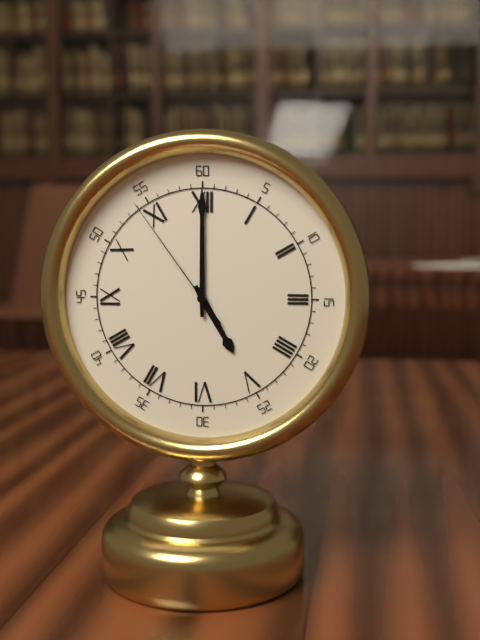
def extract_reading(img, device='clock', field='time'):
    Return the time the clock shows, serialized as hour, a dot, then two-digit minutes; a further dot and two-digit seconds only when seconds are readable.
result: 5.00.54
